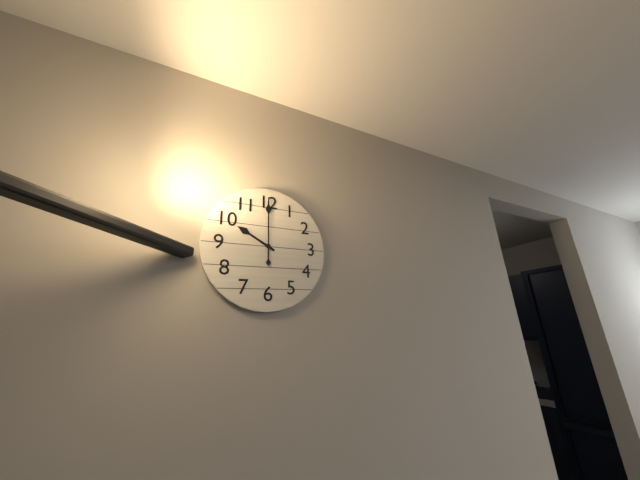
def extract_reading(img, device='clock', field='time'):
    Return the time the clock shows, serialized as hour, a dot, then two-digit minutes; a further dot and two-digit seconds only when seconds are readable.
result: 10.00
